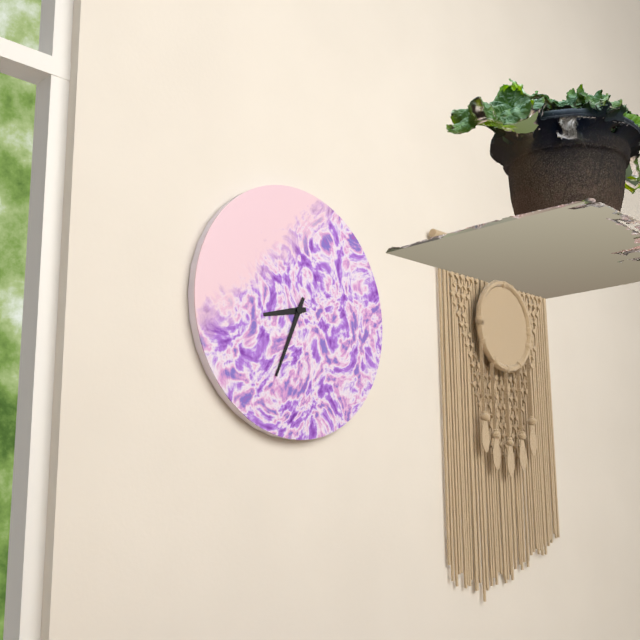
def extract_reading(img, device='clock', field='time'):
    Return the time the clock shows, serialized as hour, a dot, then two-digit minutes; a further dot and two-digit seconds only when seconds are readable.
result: 8.34
